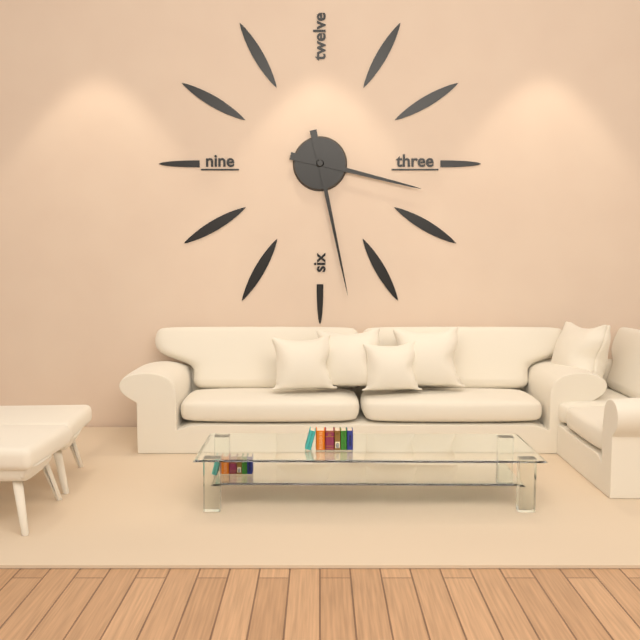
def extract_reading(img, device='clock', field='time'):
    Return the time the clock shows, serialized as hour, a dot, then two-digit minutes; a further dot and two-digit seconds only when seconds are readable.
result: 3.28
